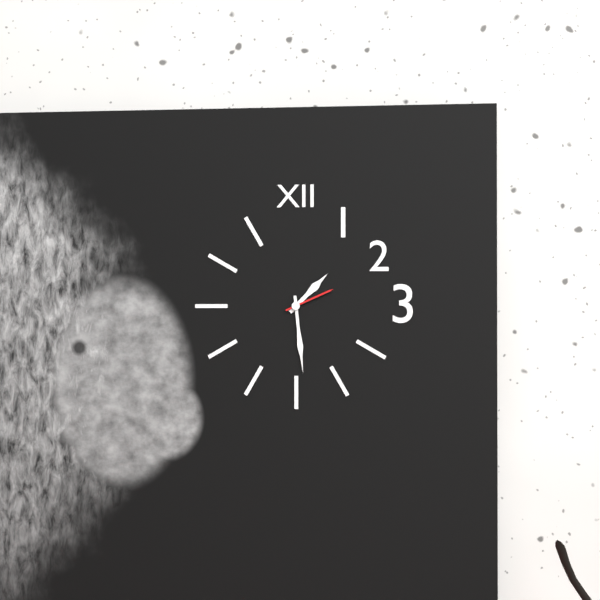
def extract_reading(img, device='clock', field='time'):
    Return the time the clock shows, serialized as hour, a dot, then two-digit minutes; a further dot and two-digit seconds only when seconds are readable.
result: 1.29.11
